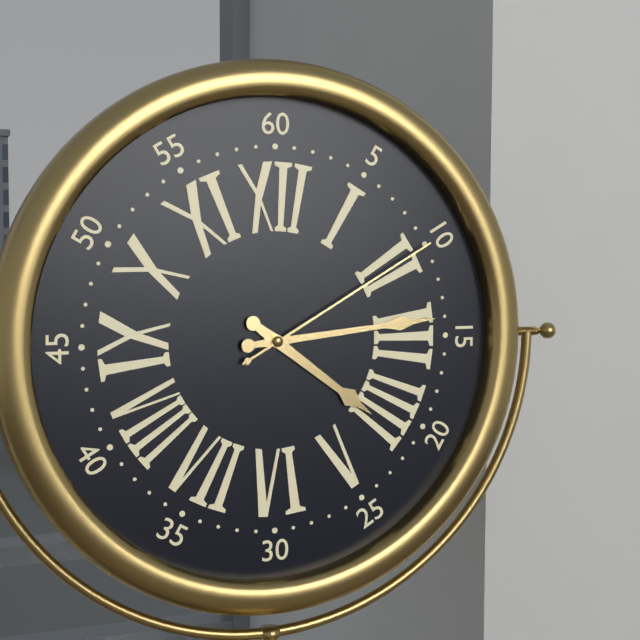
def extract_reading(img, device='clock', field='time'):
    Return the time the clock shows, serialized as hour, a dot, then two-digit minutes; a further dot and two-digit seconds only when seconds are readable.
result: 4.14.10
